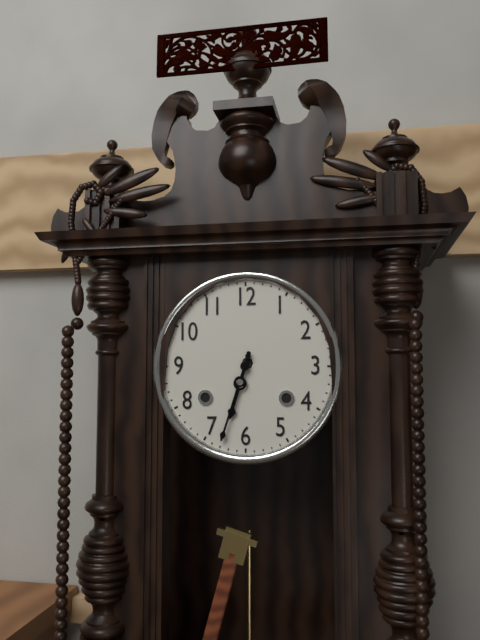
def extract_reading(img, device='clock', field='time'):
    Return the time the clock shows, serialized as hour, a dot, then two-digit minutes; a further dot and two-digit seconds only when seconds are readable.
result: 6.33
